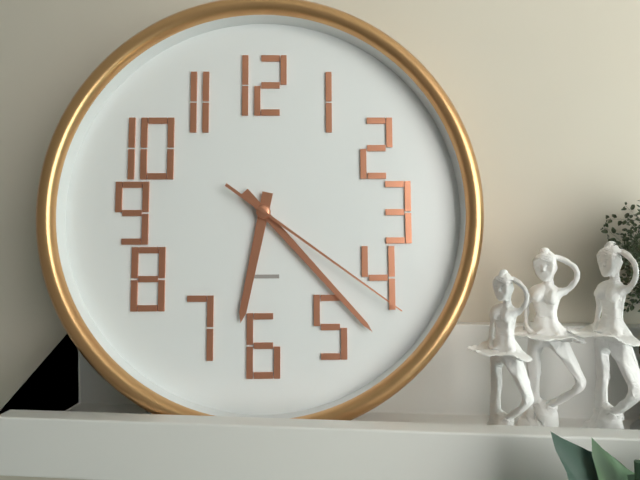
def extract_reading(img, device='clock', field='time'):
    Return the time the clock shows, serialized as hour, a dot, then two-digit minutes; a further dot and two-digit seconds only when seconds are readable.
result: 6.23.21
